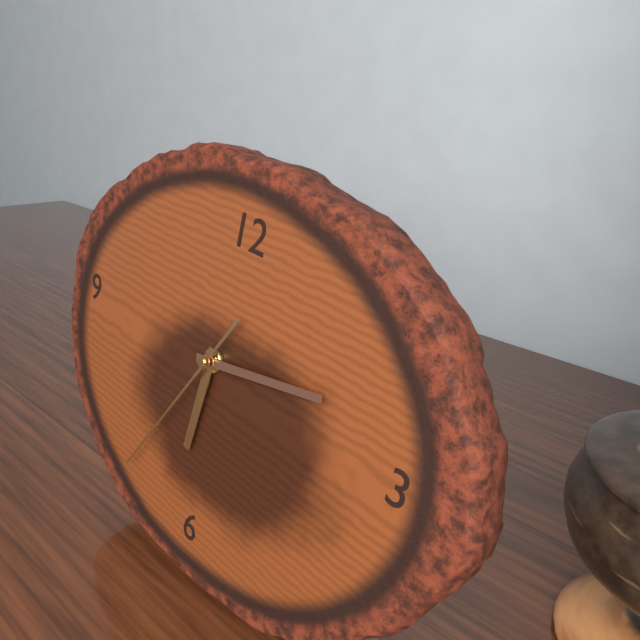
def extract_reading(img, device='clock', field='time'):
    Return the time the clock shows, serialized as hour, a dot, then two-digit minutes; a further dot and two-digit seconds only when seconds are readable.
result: 6.13.35
